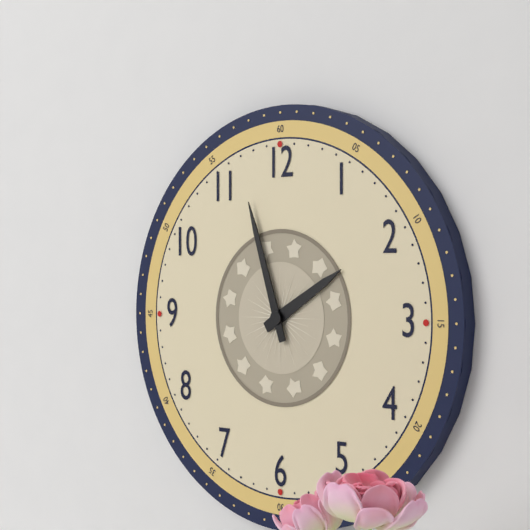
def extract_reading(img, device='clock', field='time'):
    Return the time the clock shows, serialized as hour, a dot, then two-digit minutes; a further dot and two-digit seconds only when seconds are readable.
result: 1.57
